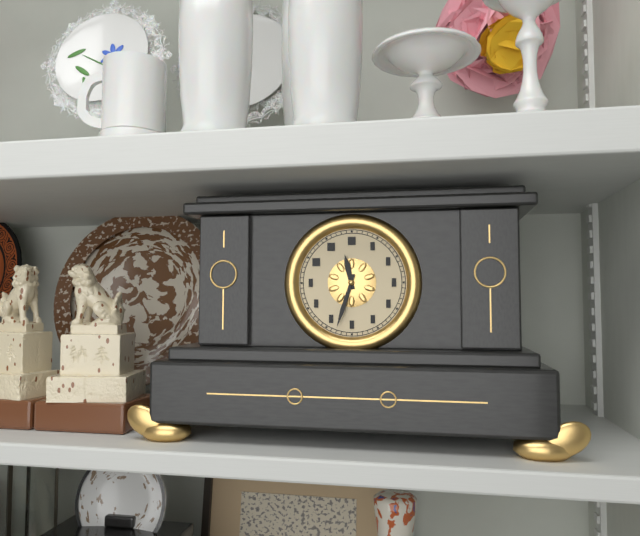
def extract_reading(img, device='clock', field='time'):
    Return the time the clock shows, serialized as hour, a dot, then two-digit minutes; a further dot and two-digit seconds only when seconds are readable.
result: 11.33
